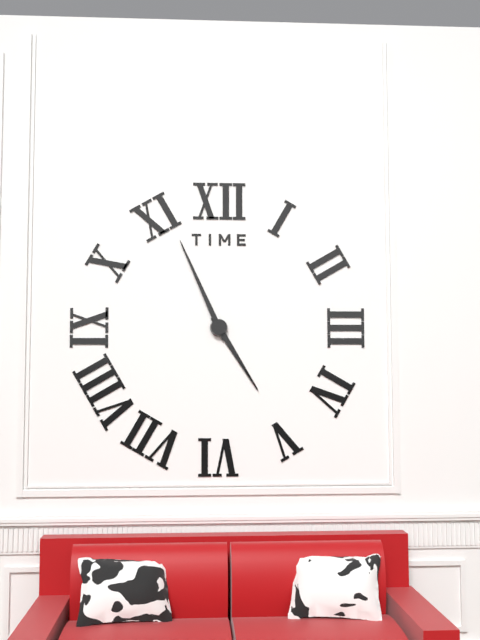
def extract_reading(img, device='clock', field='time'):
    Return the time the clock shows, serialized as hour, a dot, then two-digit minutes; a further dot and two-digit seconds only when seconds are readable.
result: 4.56
